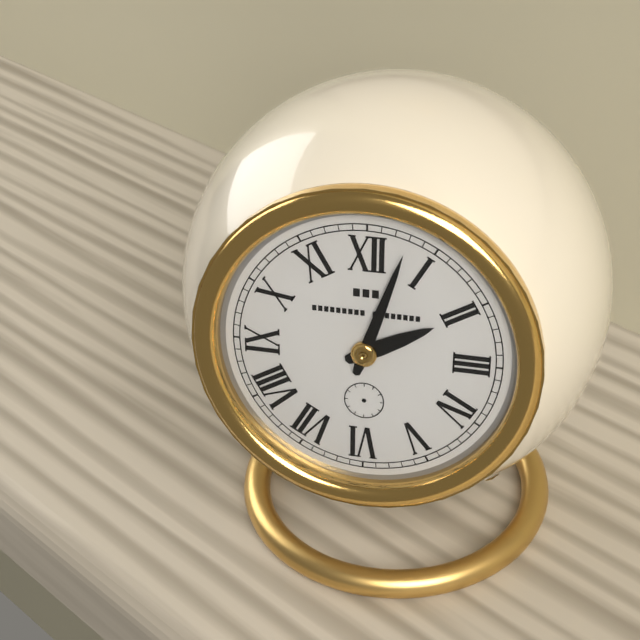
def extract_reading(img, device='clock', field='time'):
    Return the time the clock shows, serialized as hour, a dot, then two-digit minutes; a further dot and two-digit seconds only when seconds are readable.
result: 2.03
